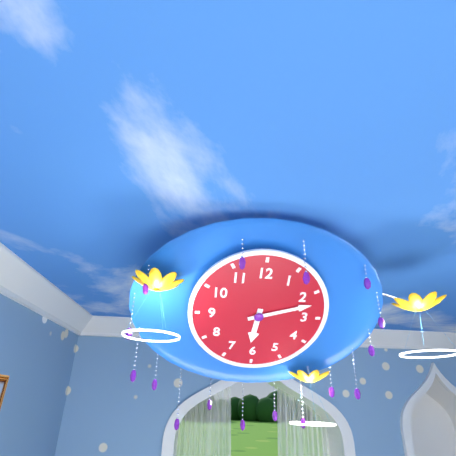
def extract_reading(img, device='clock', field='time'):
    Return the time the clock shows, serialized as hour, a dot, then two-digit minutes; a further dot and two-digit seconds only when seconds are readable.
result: 6.12
